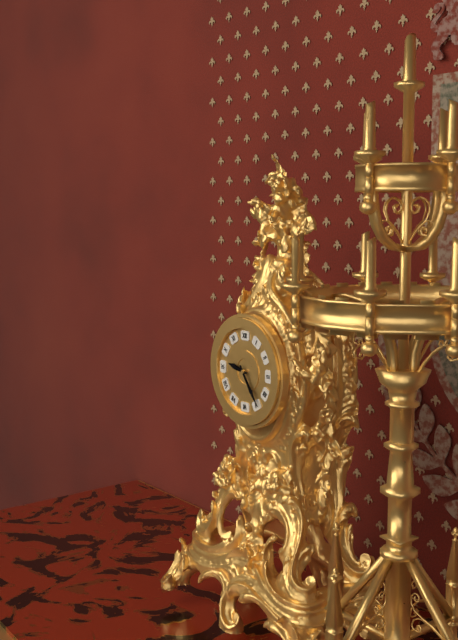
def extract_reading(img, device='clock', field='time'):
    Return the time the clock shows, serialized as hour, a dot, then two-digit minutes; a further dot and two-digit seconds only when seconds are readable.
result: 9.24
